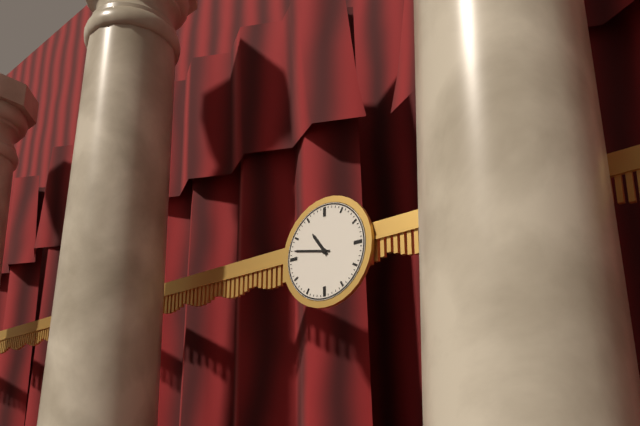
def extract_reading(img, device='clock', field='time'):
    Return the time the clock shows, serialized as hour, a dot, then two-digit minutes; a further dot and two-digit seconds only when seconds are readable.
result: 10.47
